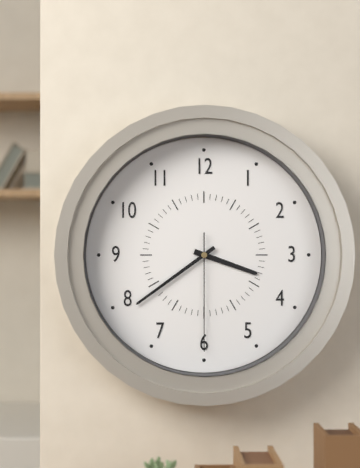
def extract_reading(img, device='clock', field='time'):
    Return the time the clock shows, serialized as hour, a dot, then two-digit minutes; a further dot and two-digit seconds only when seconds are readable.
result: 3.39.30
